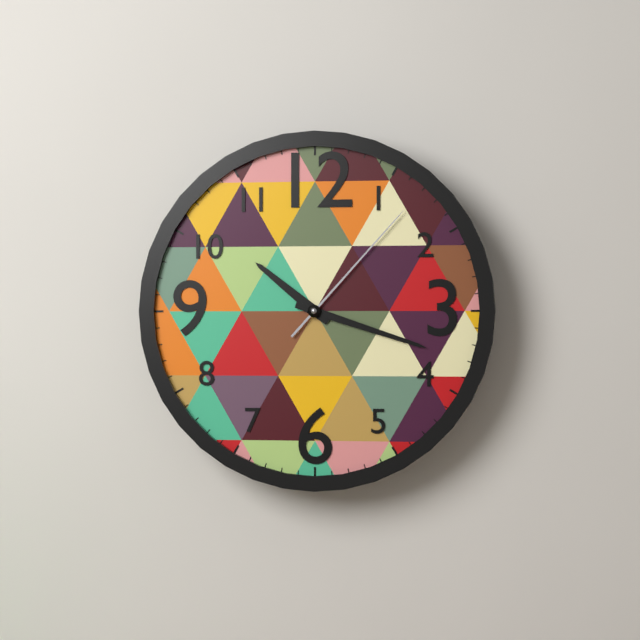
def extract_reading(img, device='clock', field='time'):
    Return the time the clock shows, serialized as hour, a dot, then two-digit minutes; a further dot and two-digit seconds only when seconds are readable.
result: 10.18.07
